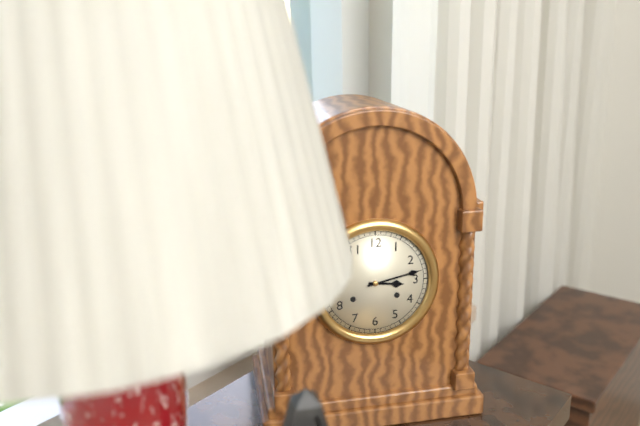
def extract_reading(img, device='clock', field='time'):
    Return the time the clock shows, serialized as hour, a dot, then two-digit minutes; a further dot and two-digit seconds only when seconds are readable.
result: 3.13
